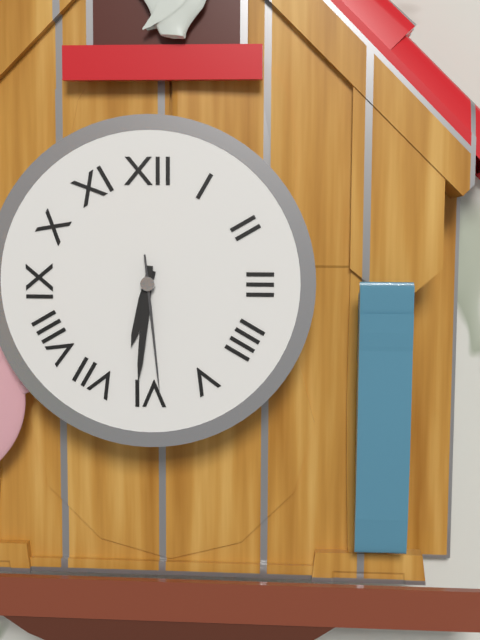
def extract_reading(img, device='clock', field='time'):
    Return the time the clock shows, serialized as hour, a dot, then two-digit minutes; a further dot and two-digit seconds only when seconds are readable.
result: 6.31.29
